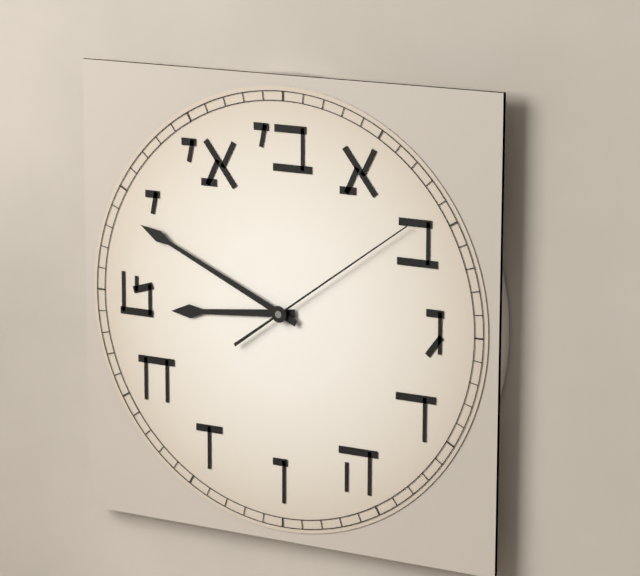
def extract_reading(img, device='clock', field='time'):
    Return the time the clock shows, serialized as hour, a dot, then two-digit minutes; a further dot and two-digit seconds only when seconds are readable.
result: 8.49.09
